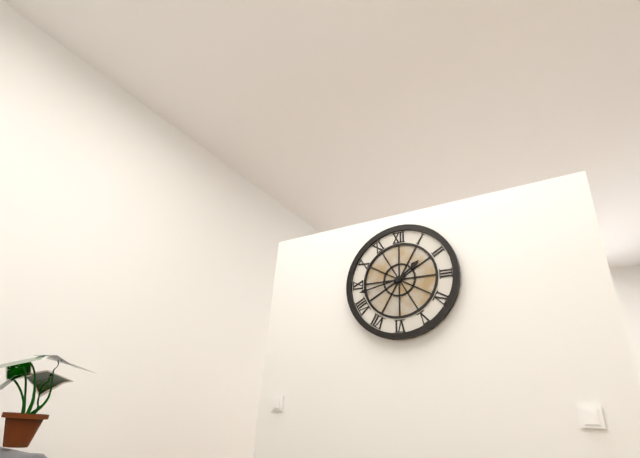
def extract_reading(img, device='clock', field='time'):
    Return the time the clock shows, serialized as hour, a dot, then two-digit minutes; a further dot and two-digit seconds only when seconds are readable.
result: 1.43
